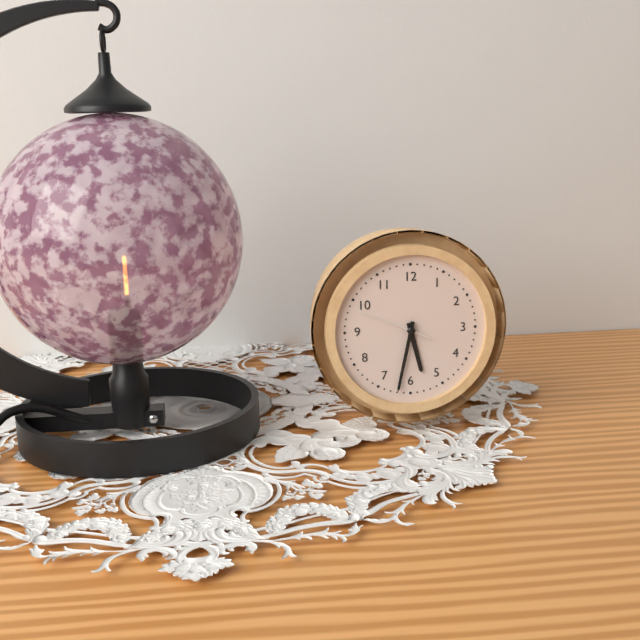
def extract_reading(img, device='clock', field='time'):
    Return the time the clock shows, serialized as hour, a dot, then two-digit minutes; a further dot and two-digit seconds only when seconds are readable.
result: 5.32.49
